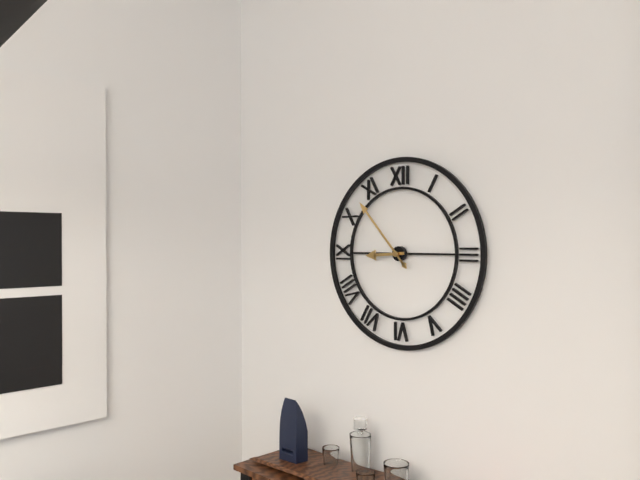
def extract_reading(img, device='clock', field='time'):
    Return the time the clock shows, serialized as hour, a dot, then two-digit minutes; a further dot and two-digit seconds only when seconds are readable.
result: 8.53
